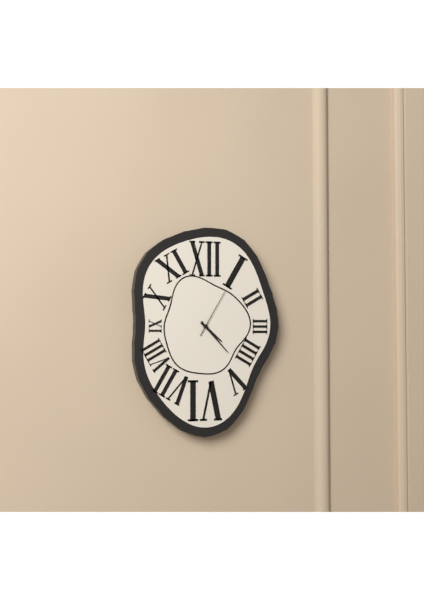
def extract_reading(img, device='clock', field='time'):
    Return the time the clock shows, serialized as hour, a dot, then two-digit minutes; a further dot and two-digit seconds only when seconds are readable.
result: 4.23.05
